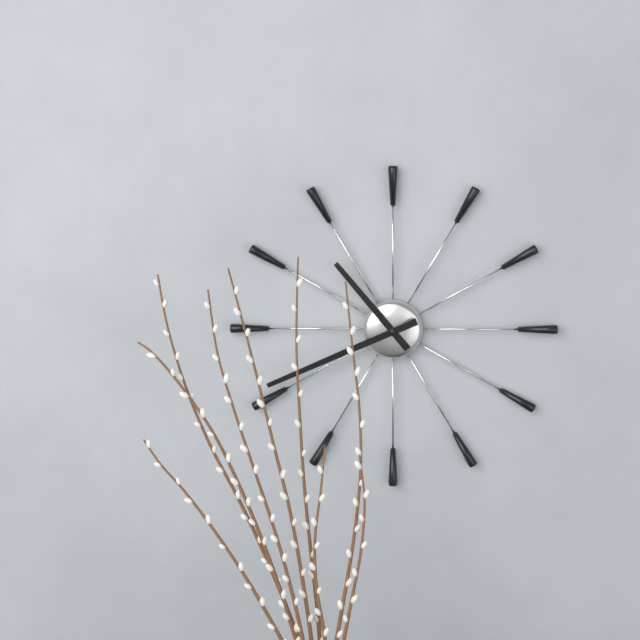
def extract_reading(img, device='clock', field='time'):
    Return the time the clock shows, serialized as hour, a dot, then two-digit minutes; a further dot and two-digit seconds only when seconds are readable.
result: 10.41
